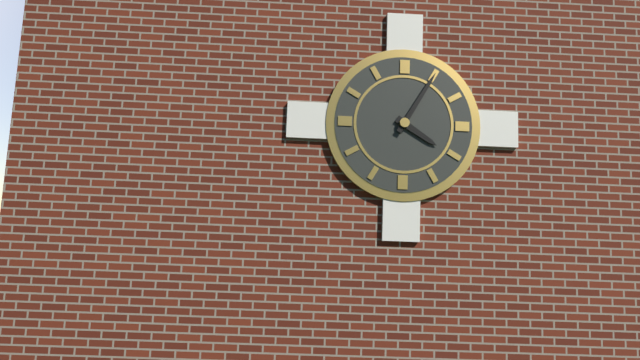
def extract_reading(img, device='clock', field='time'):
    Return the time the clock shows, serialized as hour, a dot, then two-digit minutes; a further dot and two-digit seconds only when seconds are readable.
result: 4.05
